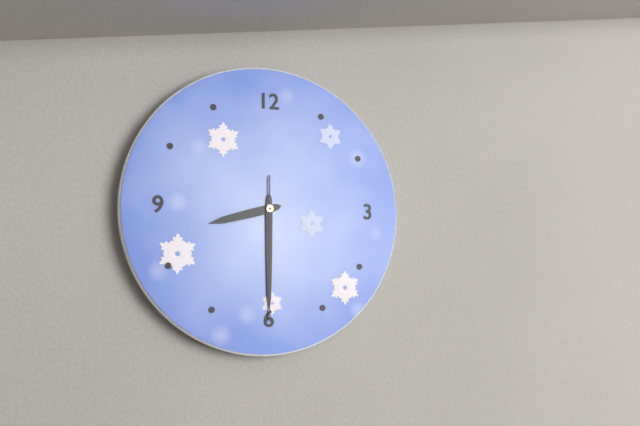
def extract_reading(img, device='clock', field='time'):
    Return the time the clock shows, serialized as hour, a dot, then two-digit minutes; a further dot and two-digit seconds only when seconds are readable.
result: 8.30.30
